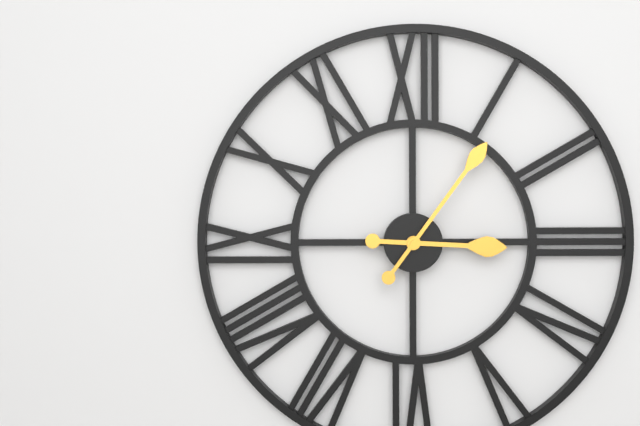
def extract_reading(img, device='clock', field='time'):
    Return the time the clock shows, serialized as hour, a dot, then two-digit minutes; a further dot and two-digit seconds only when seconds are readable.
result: 3.06
